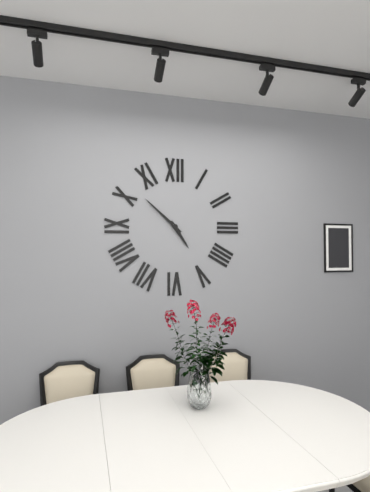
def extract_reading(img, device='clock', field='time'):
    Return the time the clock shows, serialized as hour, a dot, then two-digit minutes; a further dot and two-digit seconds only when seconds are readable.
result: 4.52
